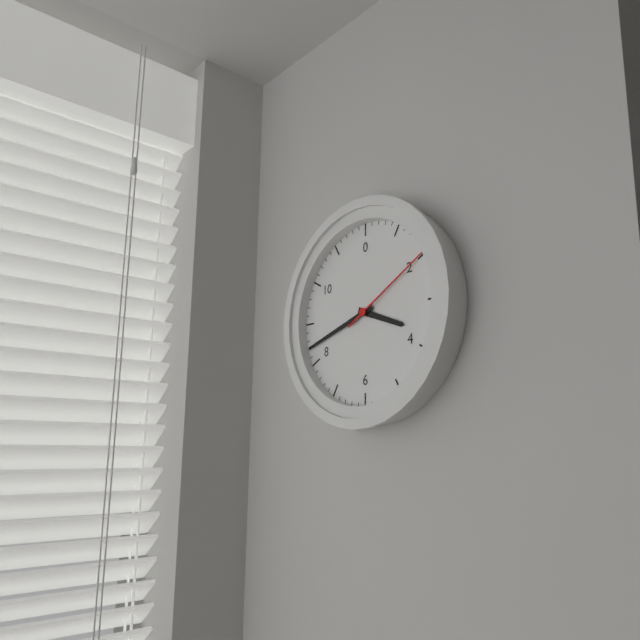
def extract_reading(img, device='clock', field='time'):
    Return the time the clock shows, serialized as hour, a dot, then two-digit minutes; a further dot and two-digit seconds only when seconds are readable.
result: 3.42.10
